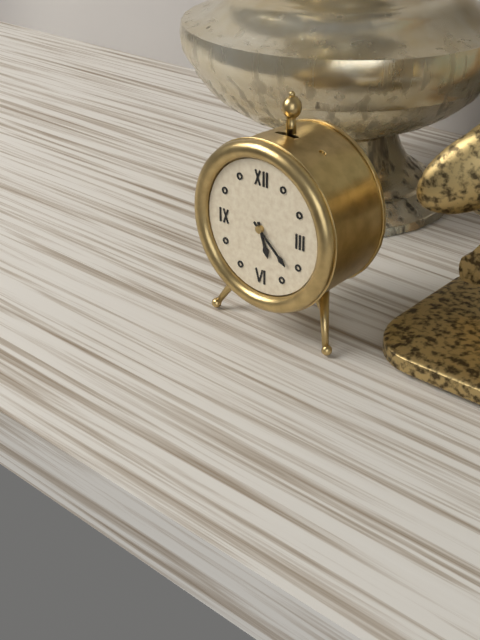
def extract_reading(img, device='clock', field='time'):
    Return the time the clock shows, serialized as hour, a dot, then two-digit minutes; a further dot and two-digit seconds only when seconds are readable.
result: 5.22
